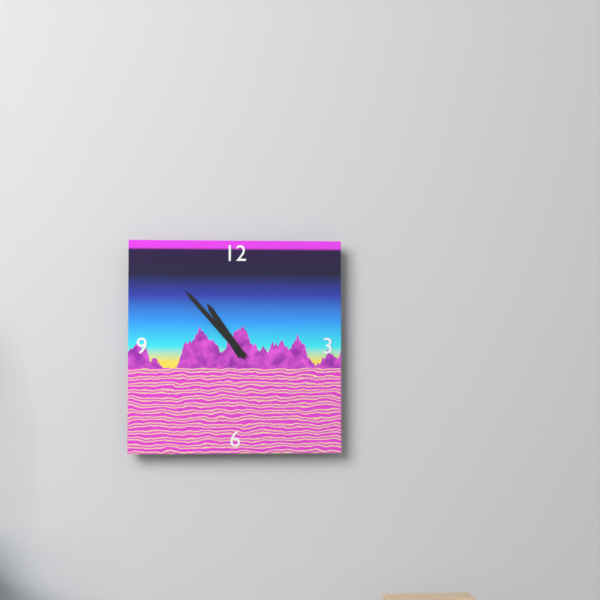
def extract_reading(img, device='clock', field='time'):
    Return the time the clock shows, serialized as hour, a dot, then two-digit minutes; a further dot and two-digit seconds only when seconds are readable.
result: 10.53
